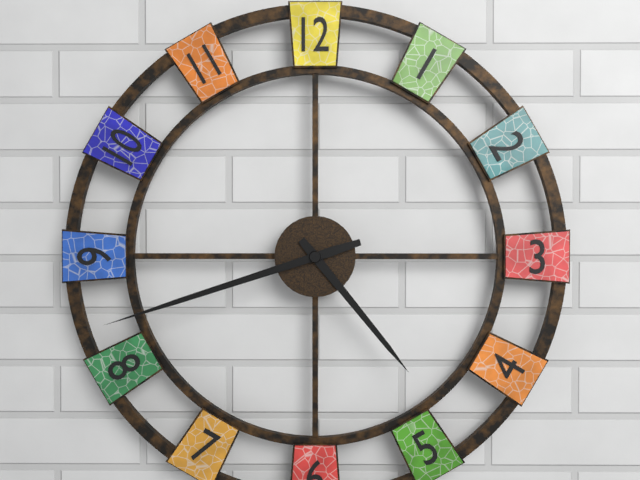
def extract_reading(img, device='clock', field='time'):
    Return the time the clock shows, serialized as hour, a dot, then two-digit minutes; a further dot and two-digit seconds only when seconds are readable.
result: 4.42
